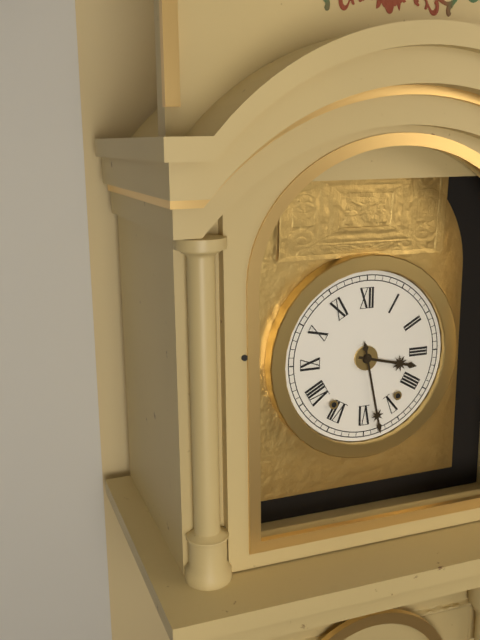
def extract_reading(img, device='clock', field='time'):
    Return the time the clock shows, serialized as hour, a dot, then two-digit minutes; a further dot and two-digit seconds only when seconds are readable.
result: 3.28
